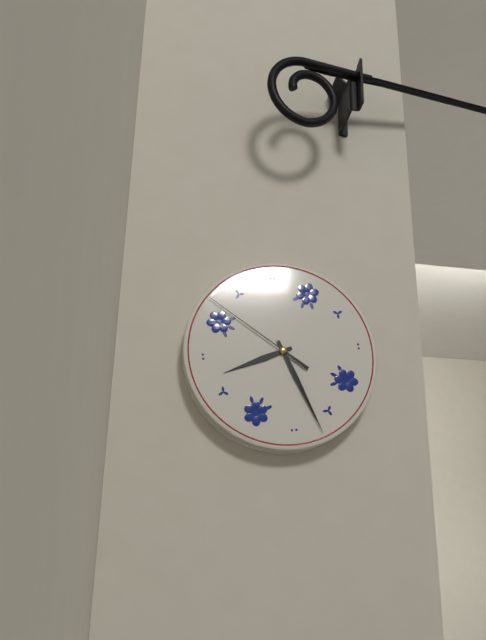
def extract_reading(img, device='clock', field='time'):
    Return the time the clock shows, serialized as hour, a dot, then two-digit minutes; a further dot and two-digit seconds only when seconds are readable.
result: 8.27.52
